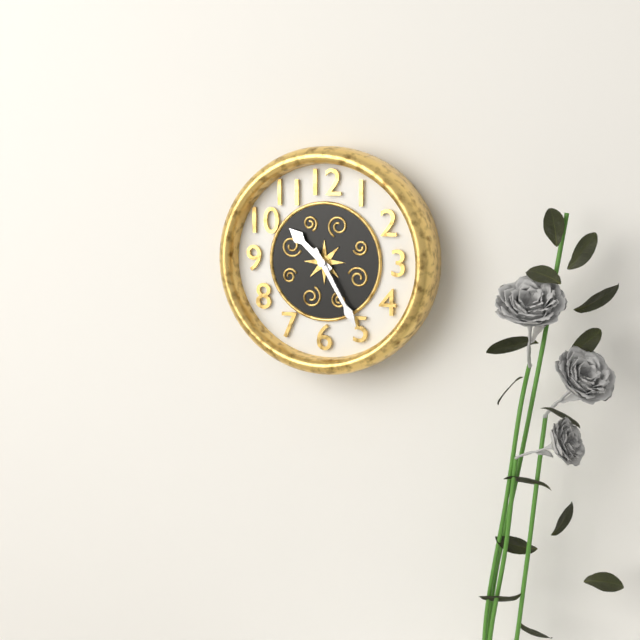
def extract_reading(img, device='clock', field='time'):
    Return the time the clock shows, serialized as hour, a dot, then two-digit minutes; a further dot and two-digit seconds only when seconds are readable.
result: 10.25
